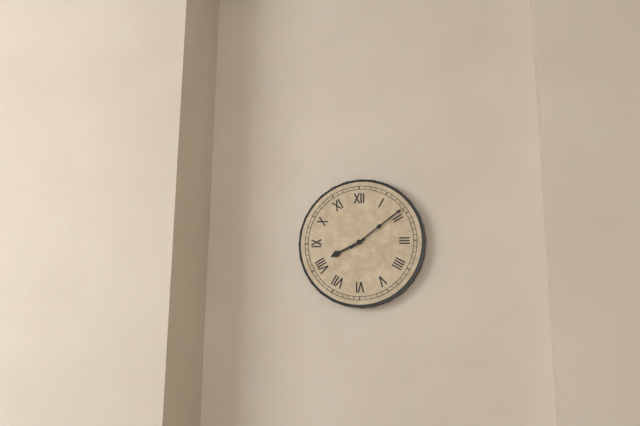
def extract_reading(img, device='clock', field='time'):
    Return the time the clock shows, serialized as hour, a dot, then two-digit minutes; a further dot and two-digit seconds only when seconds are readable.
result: 8.09
